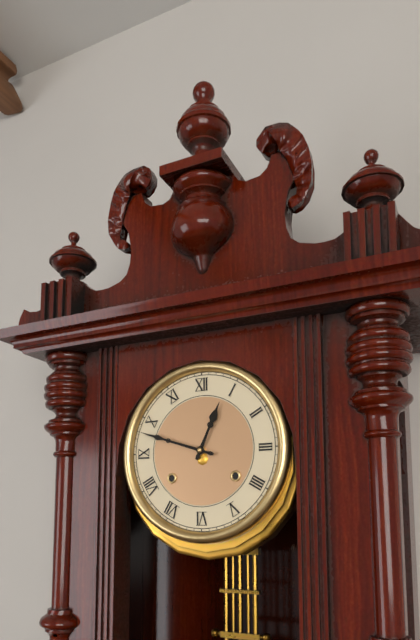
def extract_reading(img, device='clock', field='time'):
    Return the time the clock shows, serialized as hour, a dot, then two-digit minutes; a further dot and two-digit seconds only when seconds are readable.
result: 12.48
